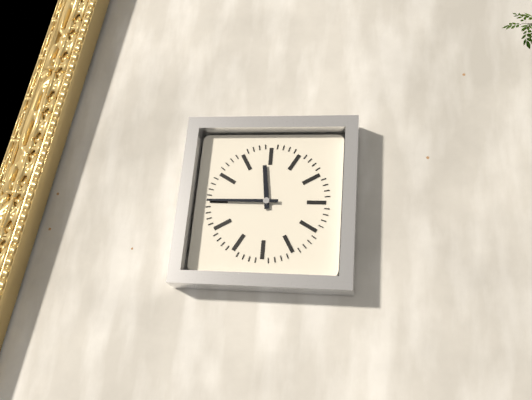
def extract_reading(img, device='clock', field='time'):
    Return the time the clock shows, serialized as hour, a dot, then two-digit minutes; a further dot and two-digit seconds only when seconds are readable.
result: 11.45
